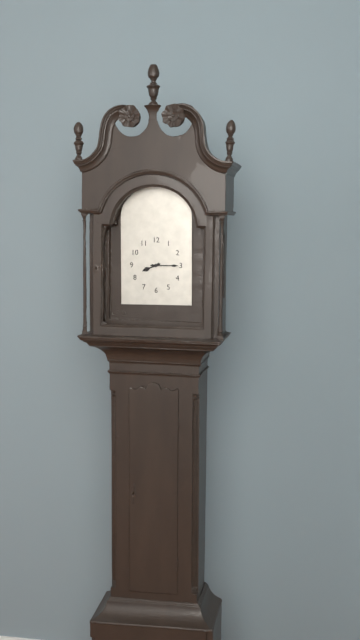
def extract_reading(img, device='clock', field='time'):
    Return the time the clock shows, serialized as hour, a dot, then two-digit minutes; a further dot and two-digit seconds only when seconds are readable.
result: 8.15
